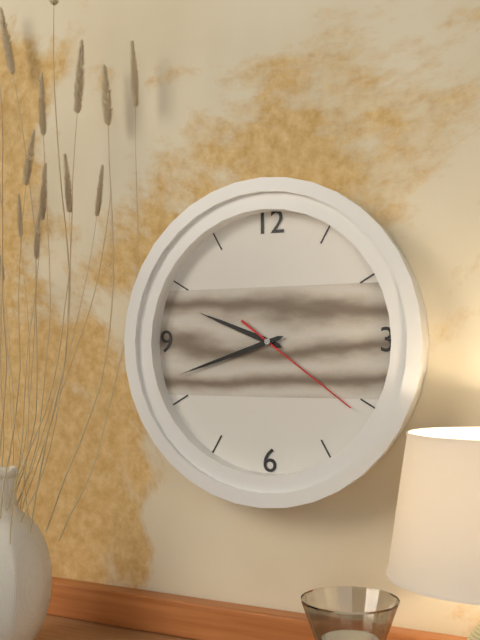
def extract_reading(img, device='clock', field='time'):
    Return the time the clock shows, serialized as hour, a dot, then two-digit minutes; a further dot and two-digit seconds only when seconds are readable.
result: 9.42.21
